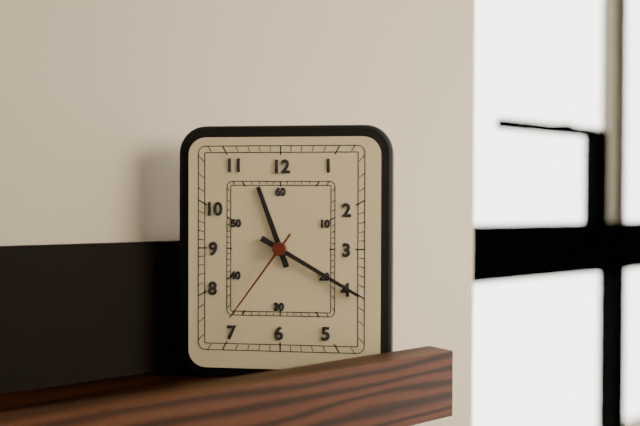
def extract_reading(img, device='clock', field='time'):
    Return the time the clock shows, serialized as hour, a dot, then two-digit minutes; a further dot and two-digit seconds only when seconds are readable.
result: 11.20.36
